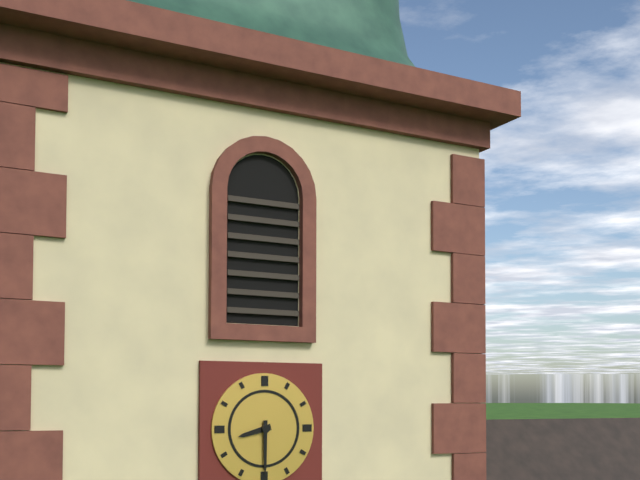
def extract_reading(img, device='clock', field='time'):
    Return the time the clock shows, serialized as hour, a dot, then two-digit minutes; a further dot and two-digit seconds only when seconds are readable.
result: 8.30
